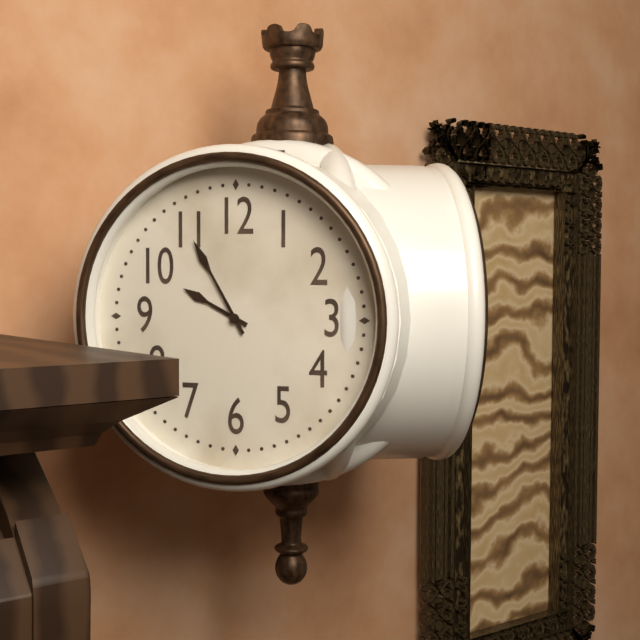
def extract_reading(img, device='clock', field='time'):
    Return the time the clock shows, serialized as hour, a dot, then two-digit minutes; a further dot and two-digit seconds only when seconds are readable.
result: 9.55
